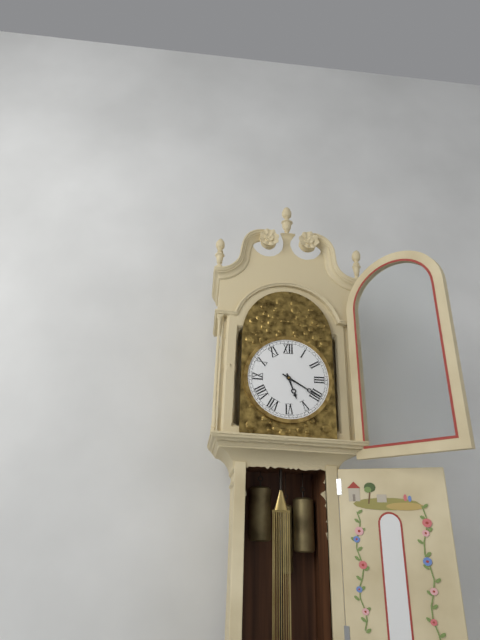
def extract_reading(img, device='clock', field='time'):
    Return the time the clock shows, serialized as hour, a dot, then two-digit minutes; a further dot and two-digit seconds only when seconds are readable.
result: 5.20
